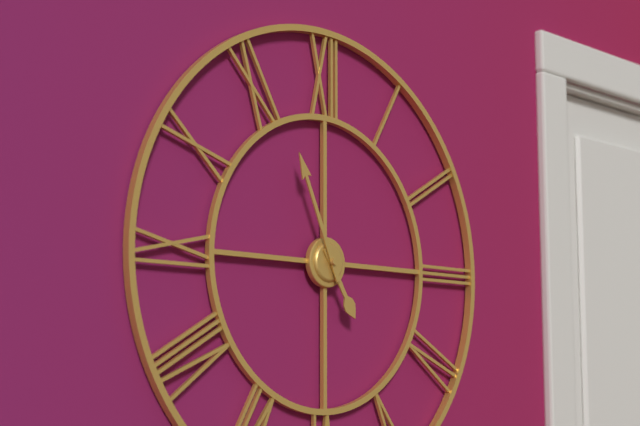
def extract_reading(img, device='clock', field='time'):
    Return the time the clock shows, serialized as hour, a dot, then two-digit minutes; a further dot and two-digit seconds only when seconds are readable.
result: 4.56
